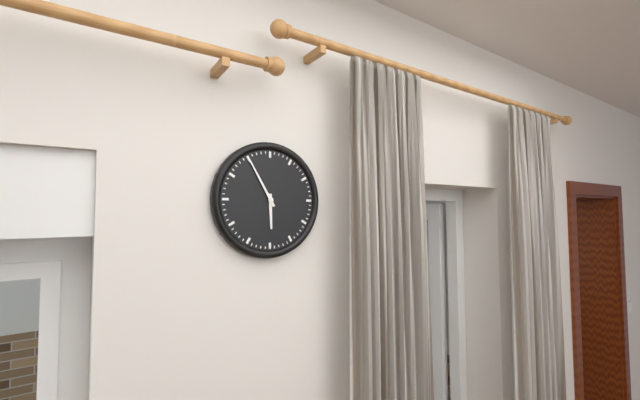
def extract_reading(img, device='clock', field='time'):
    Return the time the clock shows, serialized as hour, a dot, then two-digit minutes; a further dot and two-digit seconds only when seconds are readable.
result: 5.55
